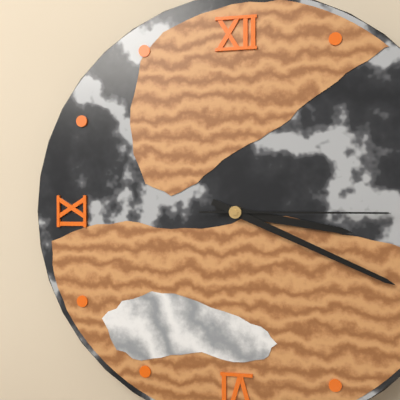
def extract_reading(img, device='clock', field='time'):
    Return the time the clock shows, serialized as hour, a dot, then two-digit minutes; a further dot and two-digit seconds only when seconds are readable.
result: 3.19.15
